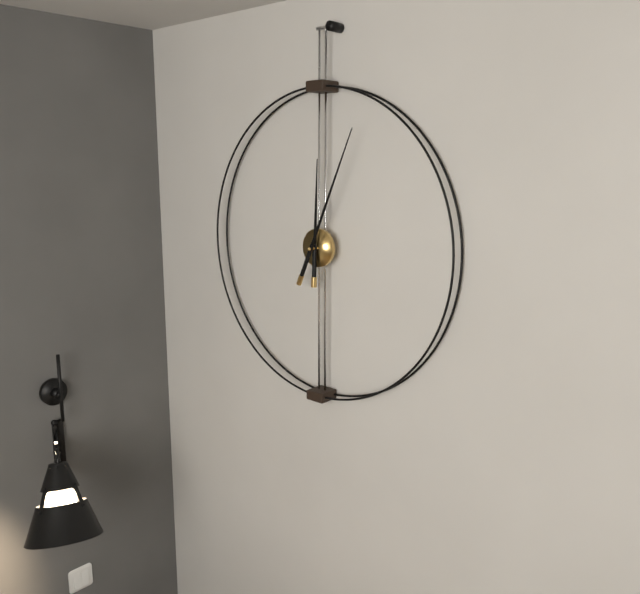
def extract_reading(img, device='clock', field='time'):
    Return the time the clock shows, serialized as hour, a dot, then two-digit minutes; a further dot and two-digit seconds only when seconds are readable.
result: 12.04
